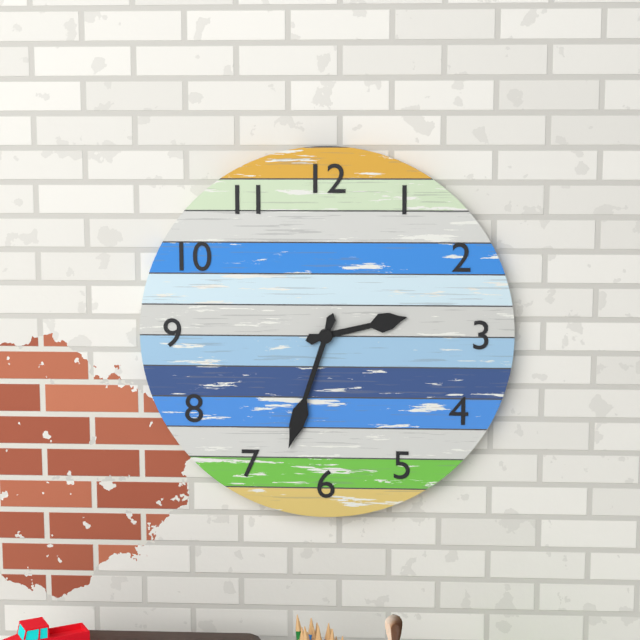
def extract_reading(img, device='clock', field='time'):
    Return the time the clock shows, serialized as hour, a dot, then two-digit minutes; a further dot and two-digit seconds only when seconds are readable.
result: 2.33
